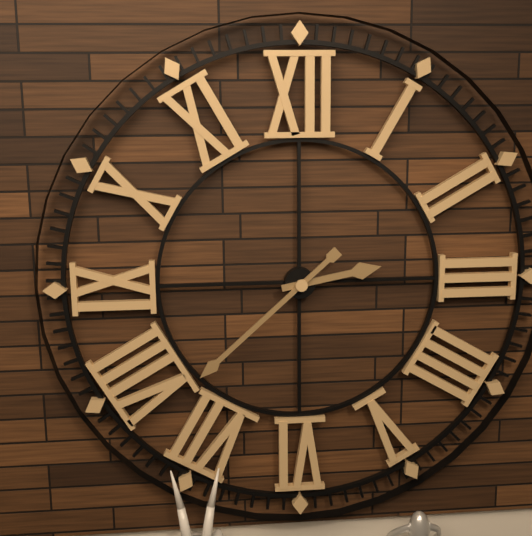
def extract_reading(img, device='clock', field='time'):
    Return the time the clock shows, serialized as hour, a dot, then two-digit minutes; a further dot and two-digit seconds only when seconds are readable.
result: 2.38
